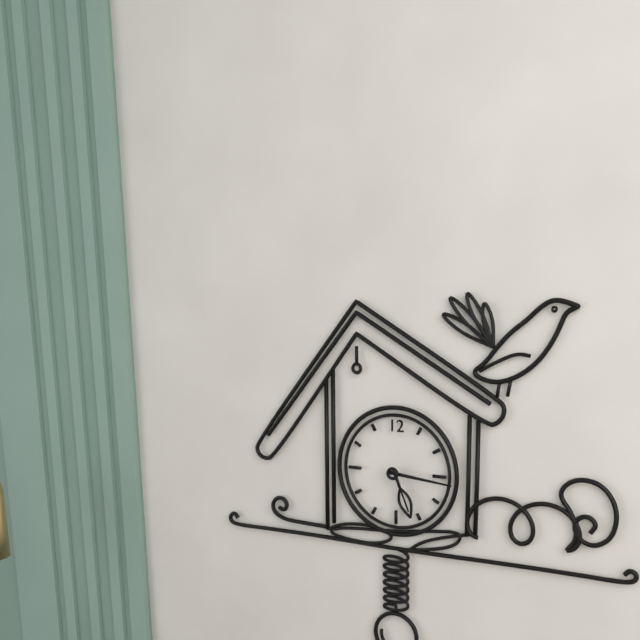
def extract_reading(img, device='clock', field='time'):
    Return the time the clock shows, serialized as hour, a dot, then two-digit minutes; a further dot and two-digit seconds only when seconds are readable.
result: 5.16
